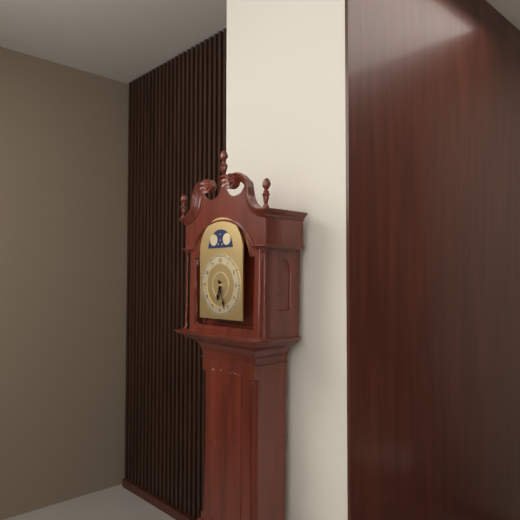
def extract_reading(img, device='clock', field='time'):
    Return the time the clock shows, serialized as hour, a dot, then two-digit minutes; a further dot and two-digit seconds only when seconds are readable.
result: 6.27
